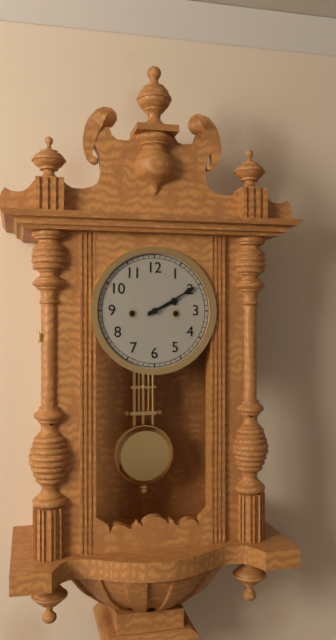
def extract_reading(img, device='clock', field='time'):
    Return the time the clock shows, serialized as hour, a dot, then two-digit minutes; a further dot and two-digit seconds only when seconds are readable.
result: 2.10
